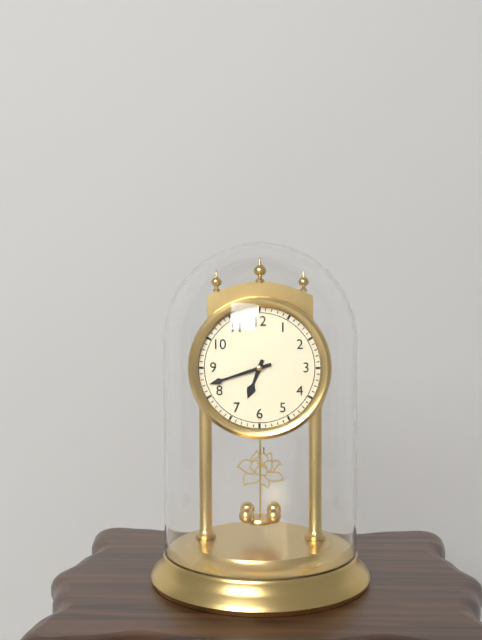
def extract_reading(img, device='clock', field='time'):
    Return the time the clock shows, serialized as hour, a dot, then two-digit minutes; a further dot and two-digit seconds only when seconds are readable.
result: 6.42
